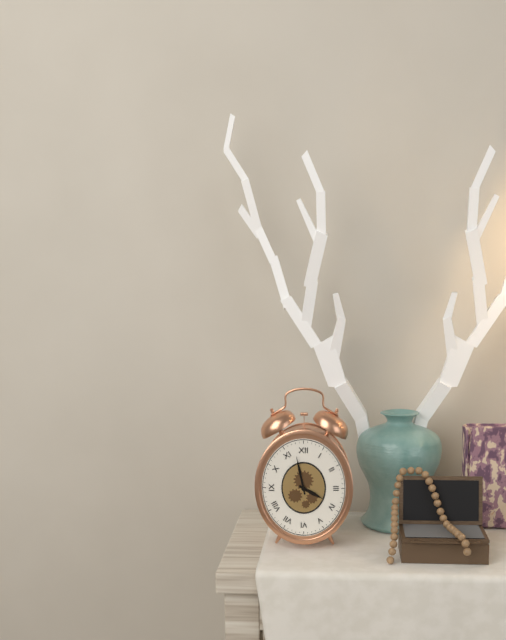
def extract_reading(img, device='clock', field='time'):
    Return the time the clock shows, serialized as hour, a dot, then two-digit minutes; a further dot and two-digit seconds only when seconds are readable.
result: 3.58
